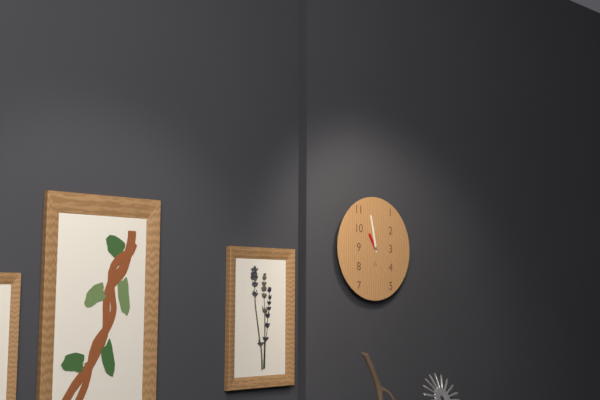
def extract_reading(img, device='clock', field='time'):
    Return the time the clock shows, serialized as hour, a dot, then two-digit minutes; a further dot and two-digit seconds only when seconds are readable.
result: 10.58
